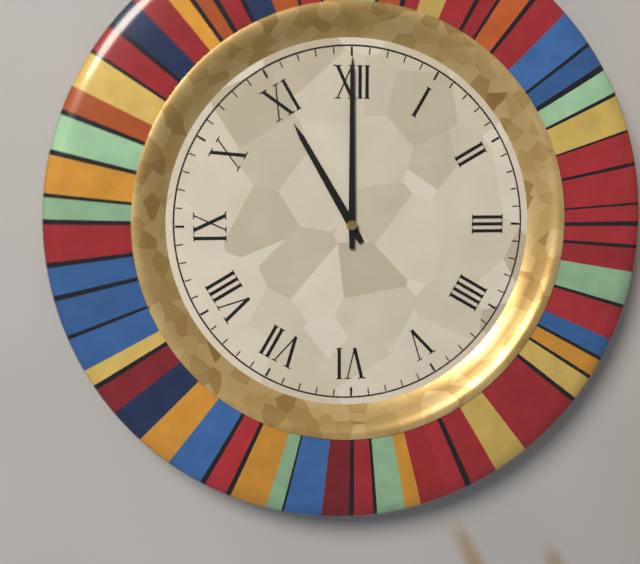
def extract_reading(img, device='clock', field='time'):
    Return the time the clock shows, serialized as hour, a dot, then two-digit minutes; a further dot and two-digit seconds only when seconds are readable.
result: 11.00
